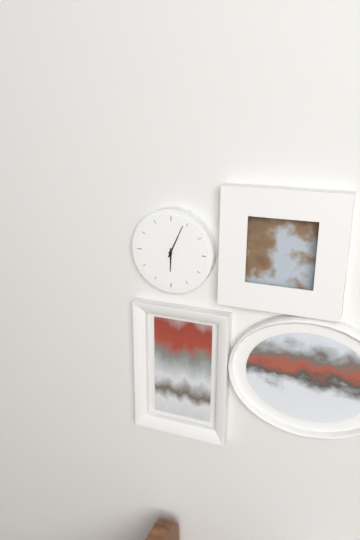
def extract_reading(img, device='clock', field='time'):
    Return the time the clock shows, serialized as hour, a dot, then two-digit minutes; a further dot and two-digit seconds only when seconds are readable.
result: 6.04
